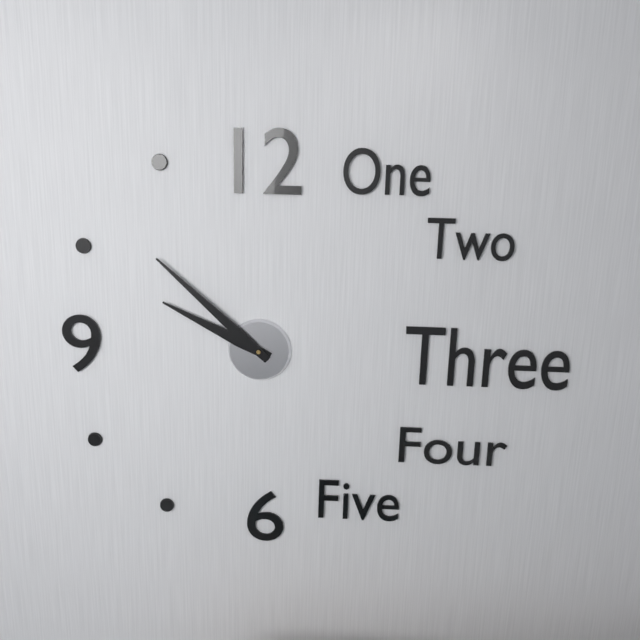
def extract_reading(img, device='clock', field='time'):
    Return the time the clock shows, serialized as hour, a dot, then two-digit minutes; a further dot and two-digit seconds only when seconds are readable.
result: 9.52
